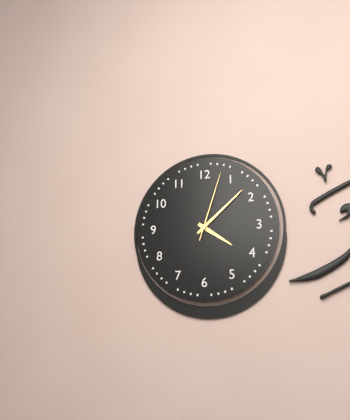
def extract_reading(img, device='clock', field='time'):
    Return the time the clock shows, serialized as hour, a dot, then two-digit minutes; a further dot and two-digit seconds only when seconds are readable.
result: 4.08.03
